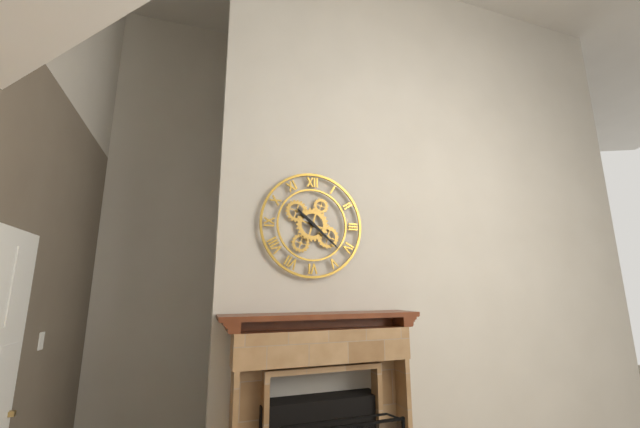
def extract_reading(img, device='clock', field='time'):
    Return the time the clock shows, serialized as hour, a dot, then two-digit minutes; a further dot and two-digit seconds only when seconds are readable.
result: 10.22
